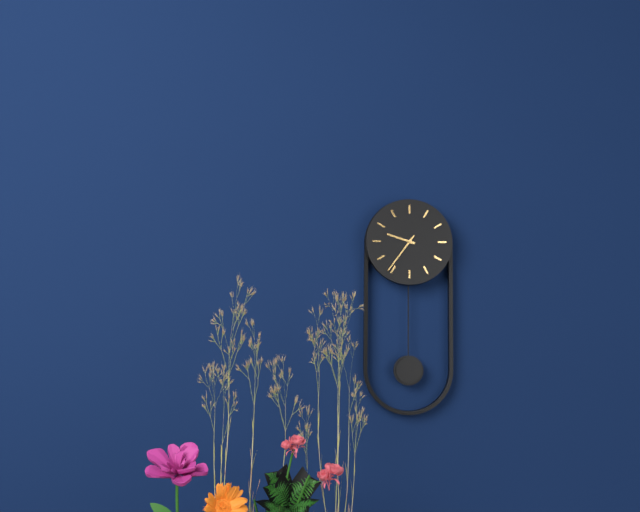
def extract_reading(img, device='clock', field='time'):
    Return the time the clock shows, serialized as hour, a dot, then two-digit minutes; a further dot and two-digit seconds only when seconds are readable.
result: 9.36
